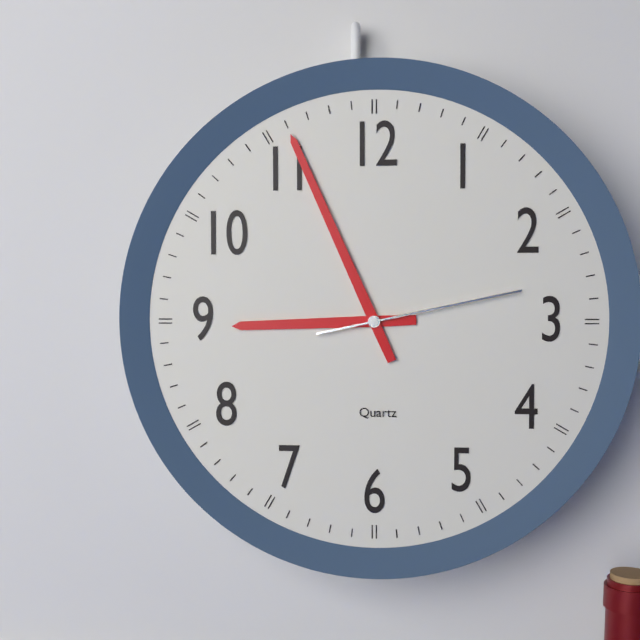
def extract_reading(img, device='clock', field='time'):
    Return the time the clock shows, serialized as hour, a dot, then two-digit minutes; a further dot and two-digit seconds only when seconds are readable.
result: 8.56.13
